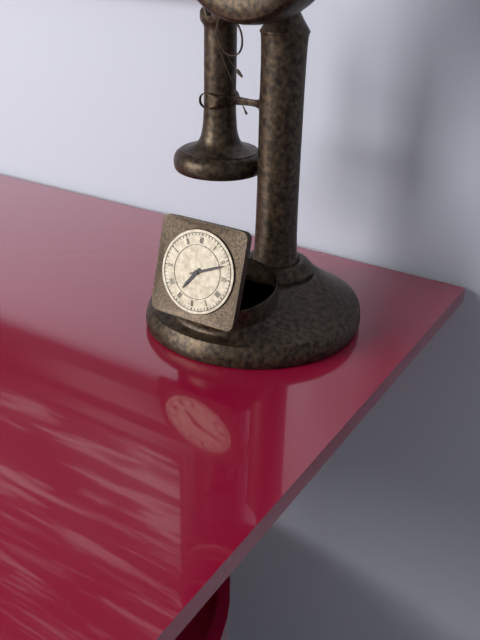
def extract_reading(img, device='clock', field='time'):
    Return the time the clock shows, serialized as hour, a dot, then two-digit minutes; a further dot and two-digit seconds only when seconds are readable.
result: 7.11
